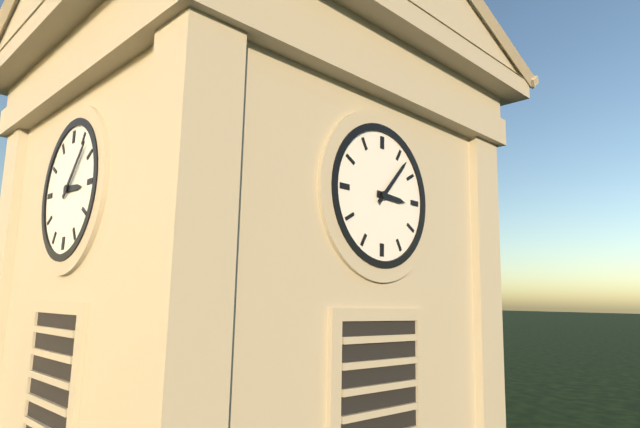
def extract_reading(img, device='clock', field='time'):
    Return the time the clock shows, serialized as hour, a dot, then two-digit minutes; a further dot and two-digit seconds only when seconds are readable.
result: 3.07
